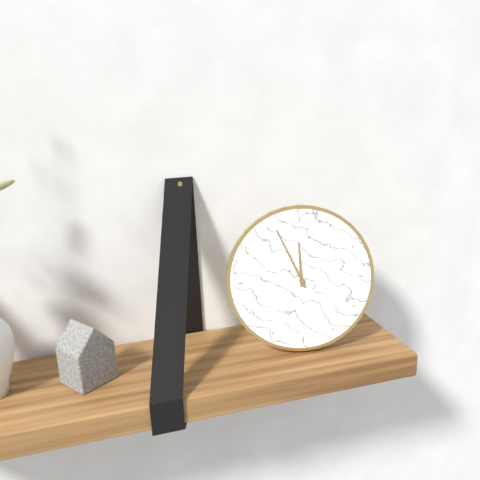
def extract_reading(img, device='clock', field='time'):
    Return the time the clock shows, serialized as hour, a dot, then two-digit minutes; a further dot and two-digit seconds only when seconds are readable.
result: 11.56
